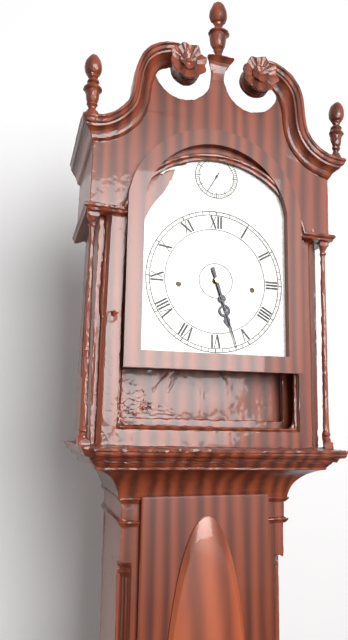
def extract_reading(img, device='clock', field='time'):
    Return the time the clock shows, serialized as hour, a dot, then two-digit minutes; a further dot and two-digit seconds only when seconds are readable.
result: 5.27
